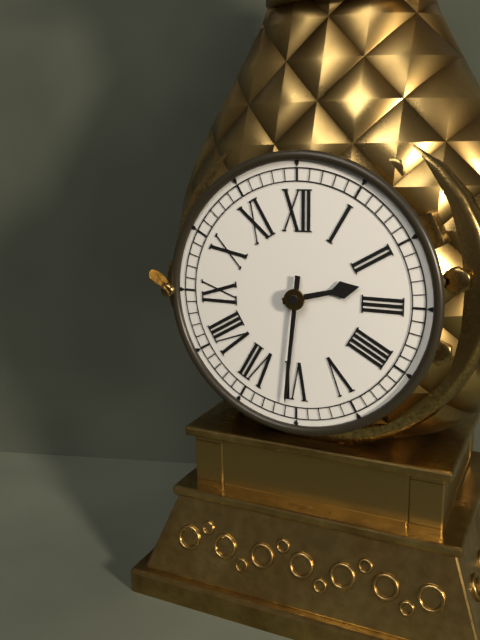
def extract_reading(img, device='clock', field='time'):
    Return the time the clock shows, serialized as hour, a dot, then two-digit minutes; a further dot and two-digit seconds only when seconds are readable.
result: 2.31
